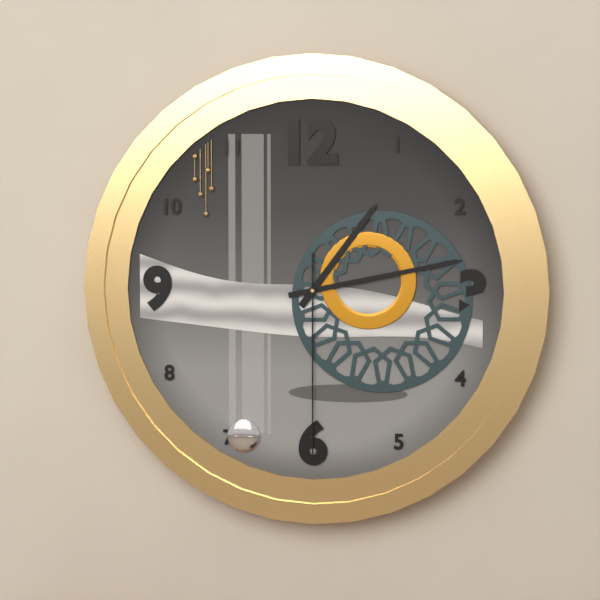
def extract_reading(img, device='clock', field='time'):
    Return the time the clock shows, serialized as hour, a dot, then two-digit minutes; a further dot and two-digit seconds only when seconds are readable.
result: 1.13.30
